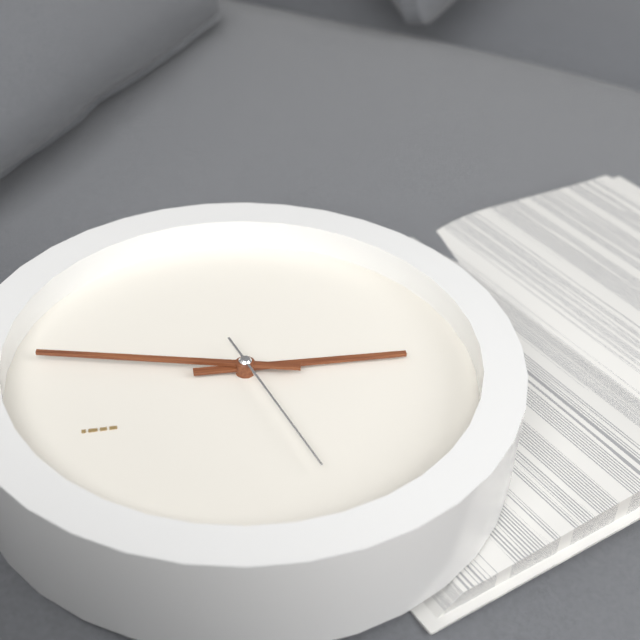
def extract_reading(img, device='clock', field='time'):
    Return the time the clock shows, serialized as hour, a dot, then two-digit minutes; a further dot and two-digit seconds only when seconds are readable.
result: 2.46.26
